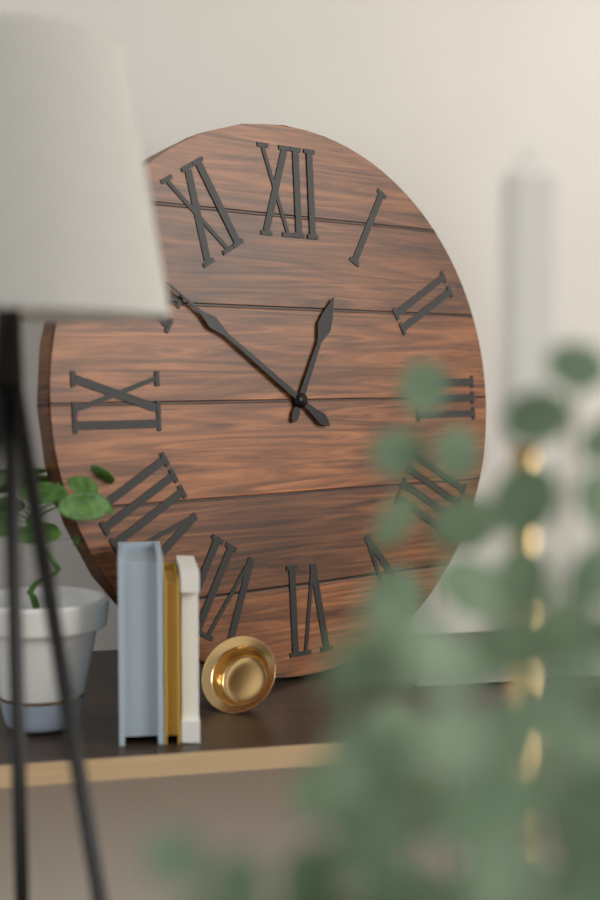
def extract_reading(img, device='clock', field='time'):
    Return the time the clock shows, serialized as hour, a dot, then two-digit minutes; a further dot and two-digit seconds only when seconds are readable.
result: 12.51
